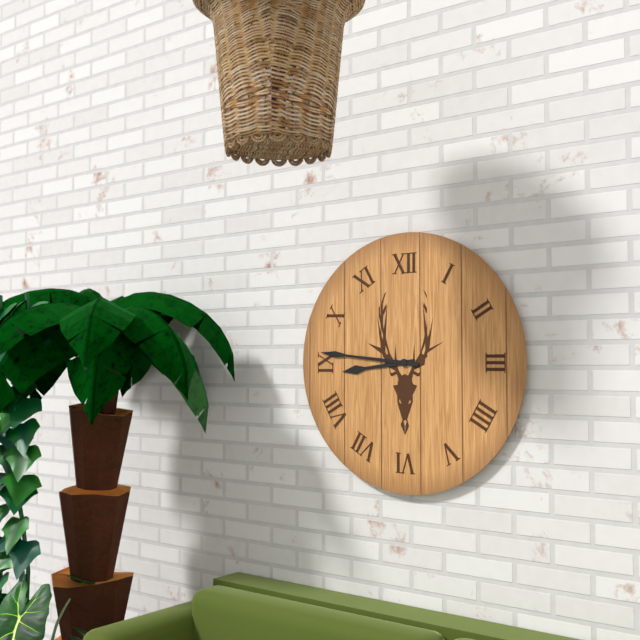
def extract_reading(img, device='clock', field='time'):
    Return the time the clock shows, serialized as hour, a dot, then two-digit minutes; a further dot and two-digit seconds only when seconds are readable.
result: 8.46
